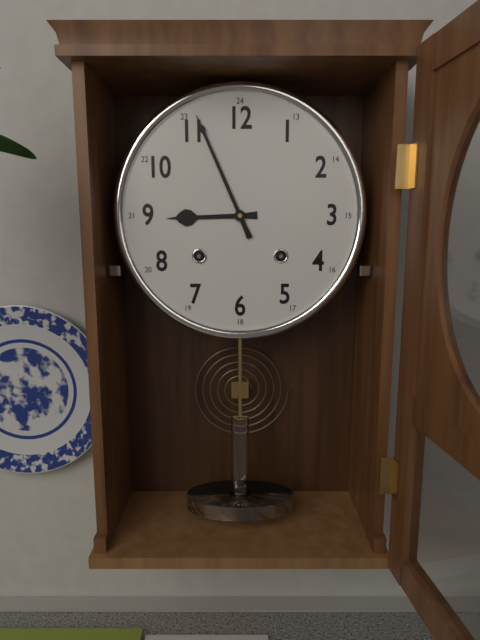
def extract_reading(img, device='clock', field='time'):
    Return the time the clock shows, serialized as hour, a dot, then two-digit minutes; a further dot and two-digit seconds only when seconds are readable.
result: 8.56
